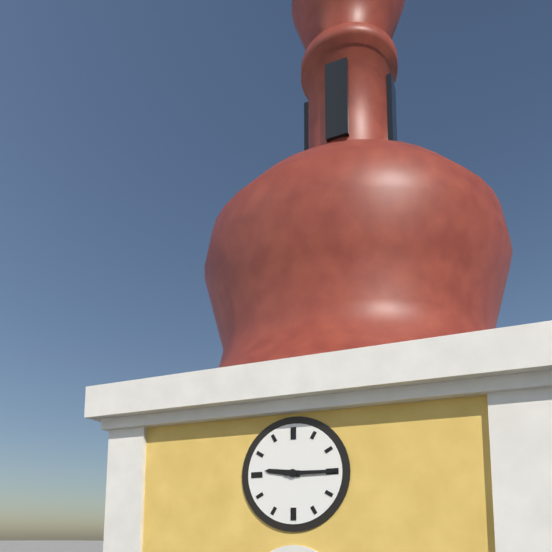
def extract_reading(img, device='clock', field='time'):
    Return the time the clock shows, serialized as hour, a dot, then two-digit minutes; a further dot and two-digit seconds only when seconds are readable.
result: 9.15
